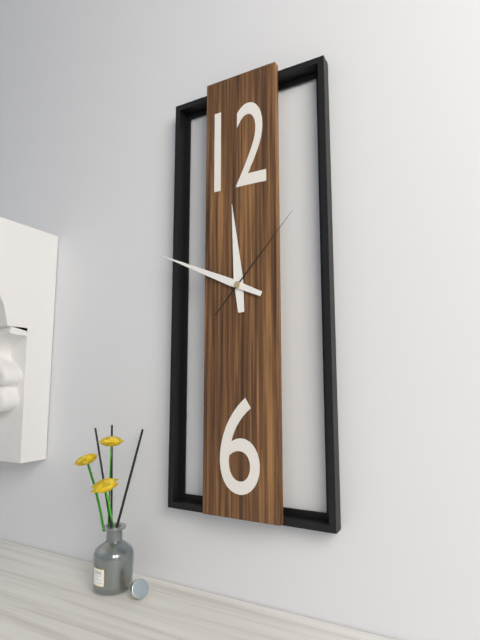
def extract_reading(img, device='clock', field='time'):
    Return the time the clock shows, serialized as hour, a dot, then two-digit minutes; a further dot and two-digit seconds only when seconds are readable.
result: 11.49.07
